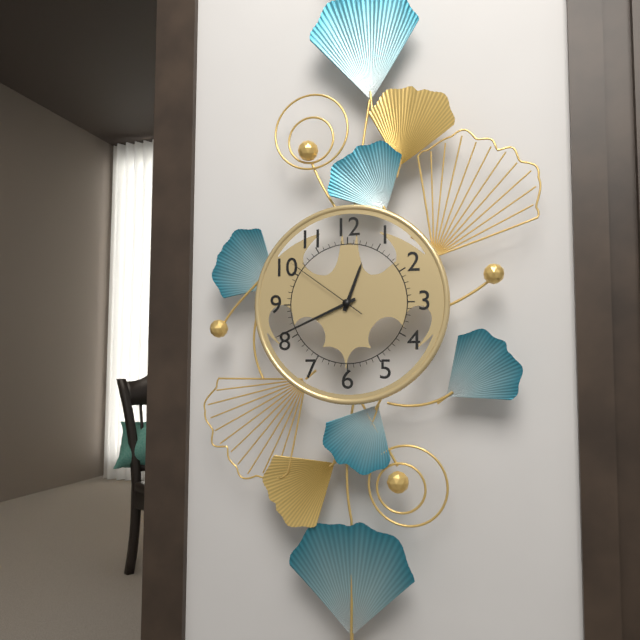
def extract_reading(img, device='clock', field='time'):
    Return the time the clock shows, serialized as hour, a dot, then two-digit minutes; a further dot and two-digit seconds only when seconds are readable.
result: 12.41.51
